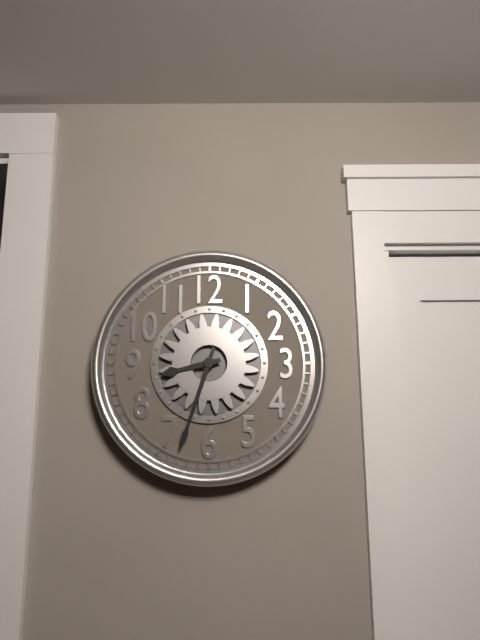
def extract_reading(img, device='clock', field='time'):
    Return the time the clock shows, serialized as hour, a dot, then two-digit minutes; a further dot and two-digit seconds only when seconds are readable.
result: 8.33
